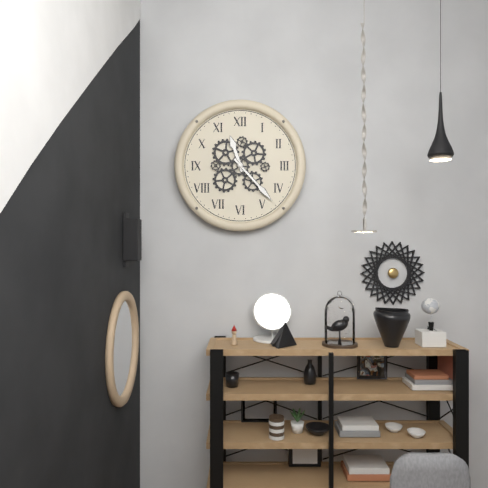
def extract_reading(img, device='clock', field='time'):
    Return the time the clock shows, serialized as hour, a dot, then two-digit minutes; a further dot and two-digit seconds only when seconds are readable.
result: 11.23
